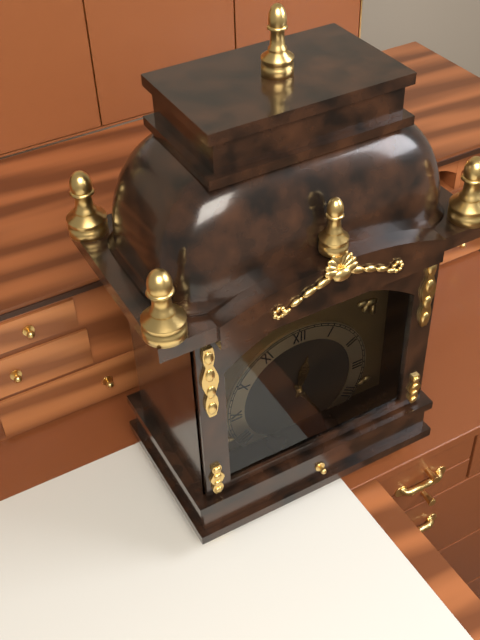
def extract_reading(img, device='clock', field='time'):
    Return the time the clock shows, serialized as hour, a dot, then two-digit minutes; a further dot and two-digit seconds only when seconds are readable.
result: 12.25
